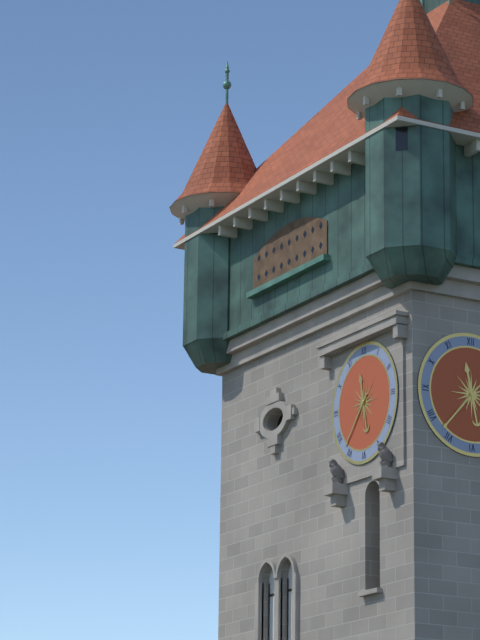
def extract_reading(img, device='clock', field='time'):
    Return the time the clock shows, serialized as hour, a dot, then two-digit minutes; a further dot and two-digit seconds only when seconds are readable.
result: 11.37
